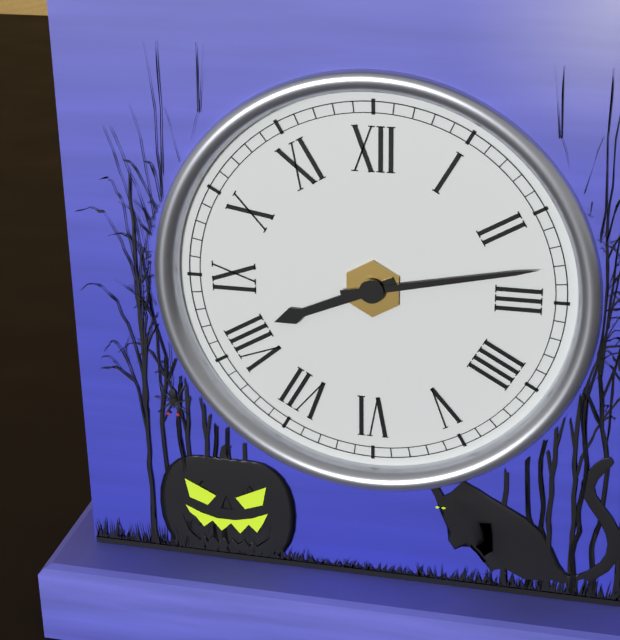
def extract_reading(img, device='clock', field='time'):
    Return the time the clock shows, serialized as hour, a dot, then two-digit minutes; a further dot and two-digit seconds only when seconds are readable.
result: 8.13
